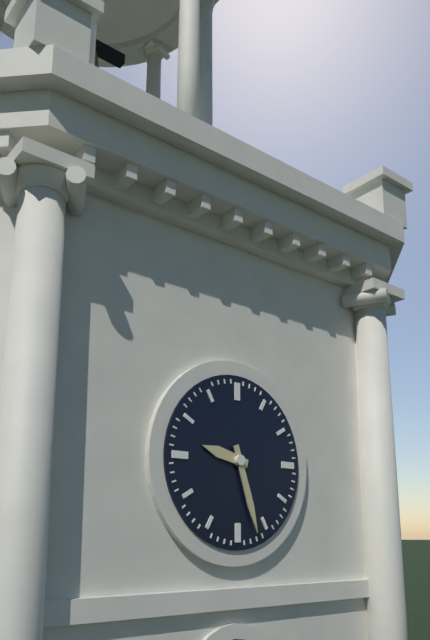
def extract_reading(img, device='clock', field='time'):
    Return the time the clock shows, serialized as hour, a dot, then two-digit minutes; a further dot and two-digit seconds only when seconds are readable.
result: 9.27
